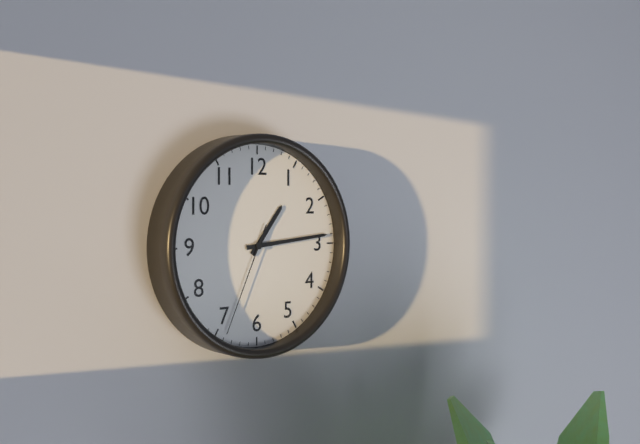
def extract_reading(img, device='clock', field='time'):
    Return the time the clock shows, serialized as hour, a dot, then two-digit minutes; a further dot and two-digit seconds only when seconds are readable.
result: 1.14.34
